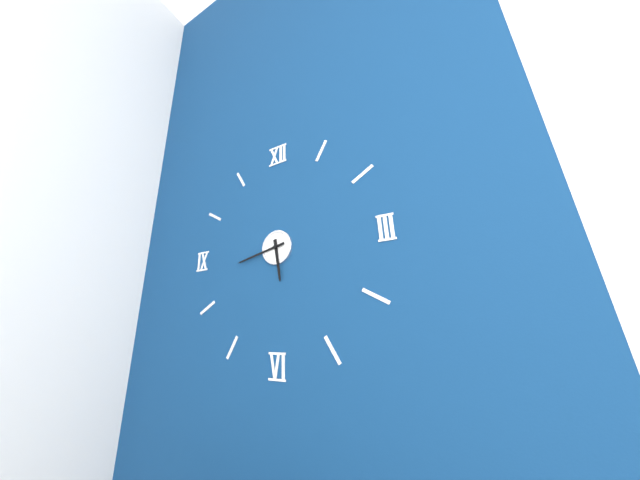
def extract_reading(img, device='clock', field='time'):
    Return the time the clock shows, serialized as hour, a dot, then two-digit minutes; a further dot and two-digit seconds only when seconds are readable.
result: 5.43
